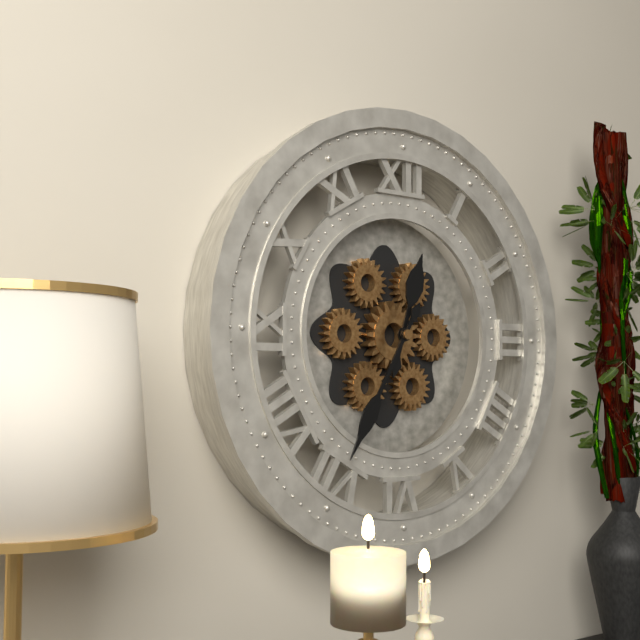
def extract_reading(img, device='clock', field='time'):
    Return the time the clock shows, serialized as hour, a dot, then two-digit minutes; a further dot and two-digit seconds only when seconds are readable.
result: 12.35
